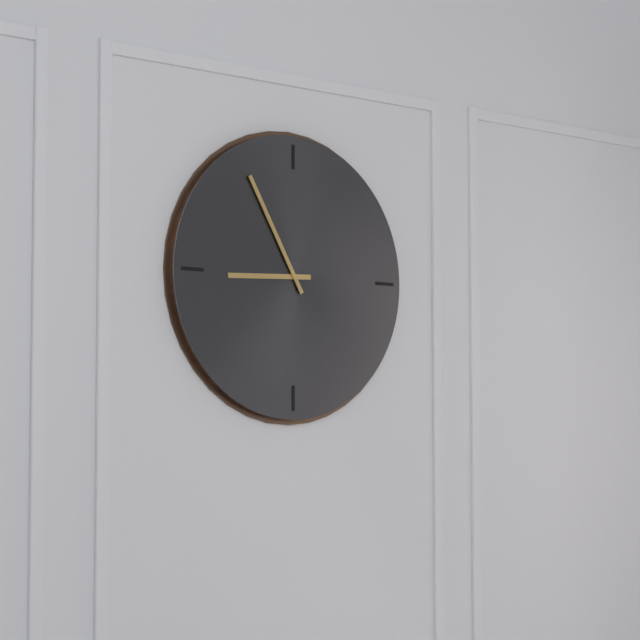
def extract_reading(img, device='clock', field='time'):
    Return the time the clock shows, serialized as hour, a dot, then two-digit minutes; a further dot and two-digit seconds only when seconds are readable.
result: 8.55
